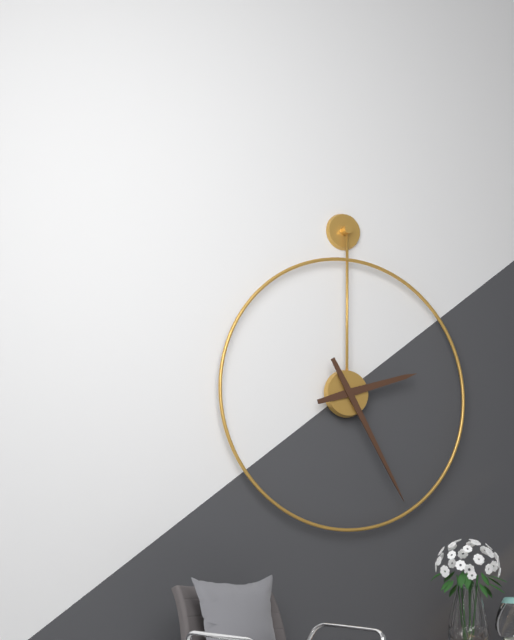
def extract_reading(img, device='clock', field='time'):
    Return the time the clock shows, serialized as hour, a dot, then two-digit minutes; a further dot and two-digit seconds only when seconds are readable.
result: 2.25
